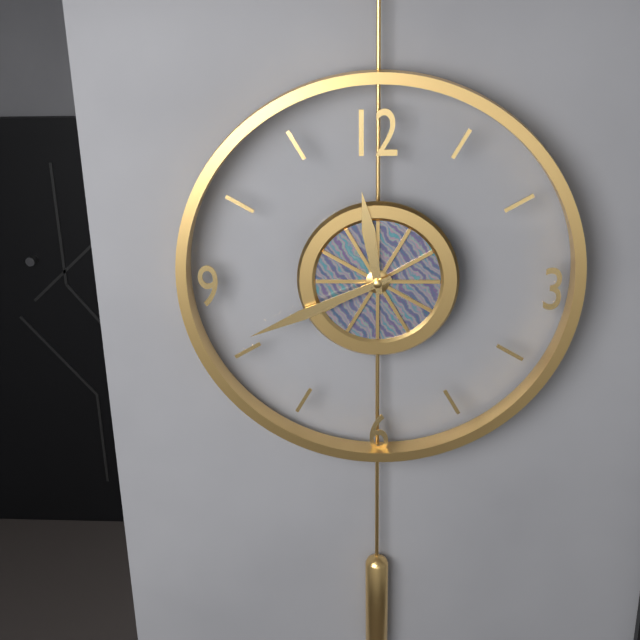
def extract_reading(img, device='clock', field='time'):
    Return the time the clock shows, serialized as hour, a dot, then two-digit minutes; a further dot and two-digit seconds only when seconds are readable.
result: 11.41
